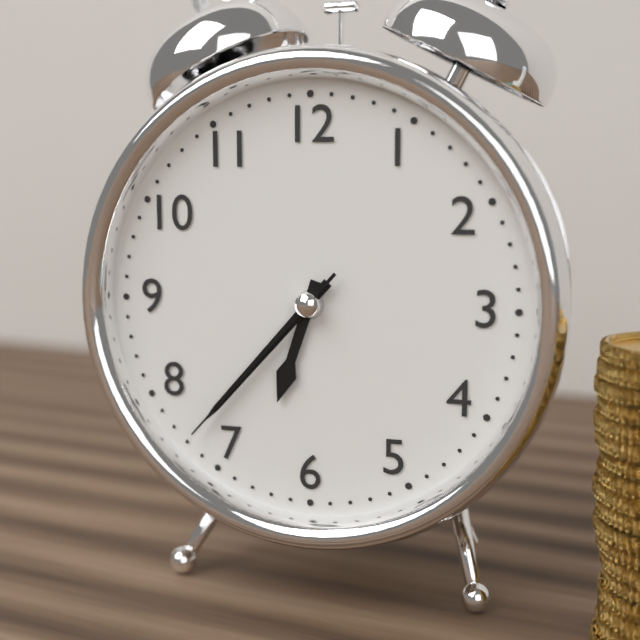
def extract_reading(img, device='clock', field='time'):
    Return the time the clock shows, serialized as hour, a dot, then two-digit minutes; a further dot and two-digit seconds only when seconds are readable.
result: 6.37.37
